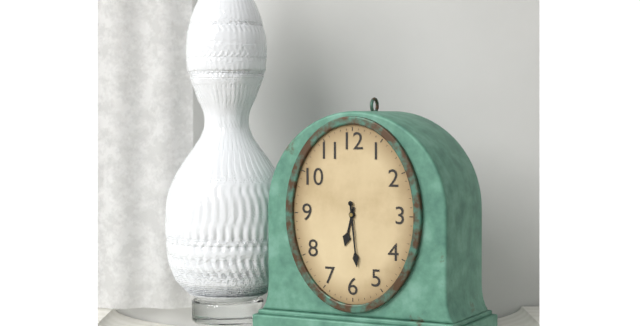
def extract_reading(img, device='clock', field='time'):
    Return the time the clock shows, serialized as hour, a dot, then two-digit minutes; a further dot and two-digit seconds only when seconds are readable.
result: 6.29
